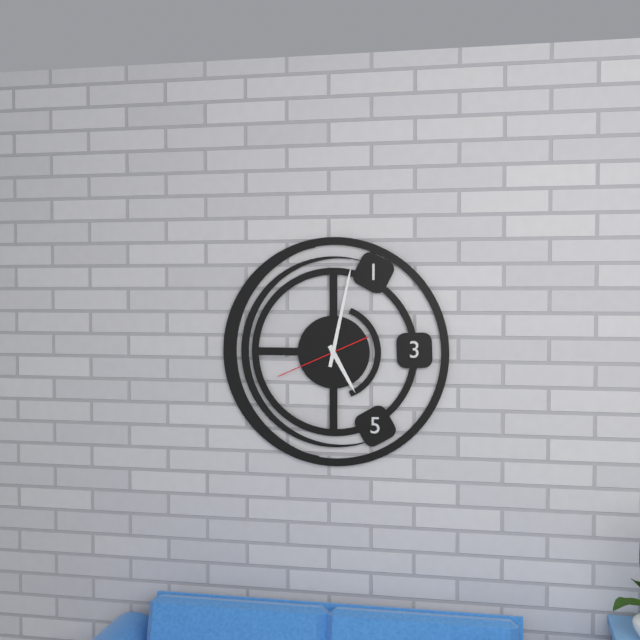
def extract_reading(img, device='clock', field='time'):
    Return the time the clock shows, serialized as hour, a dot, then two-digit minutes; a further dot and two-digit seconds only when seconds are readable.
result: 5.02.41
